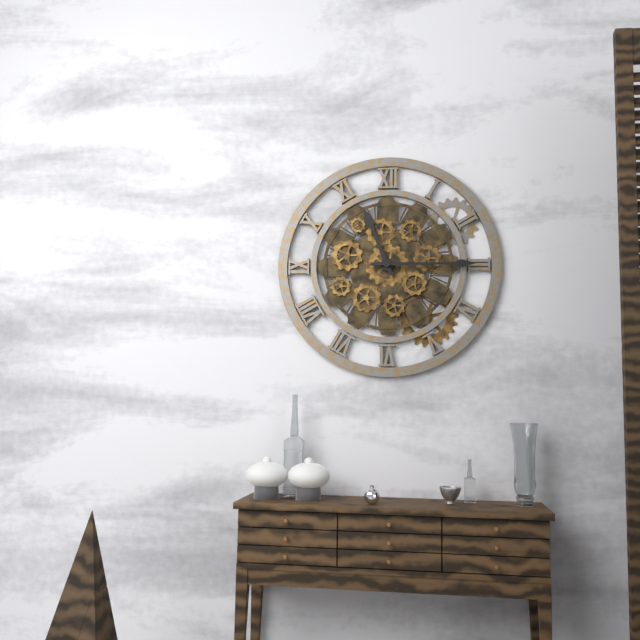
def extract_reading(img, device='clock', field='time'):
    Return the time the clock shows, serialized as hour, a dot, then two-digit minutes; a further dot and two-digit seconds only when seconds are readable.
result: 11.15
